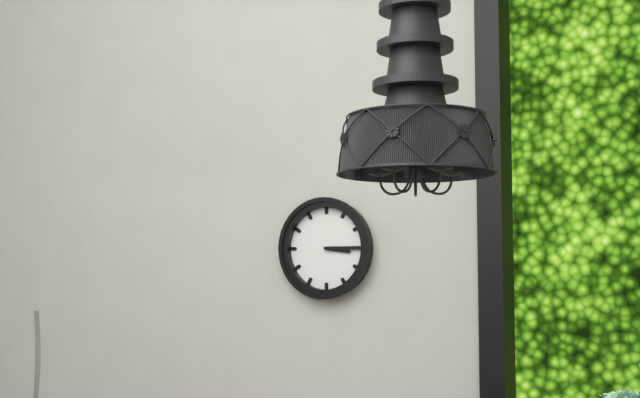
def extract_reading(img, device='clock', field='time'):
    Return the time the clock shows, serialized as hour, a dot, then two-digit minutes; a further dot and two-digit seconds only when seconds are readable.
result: 3.15
